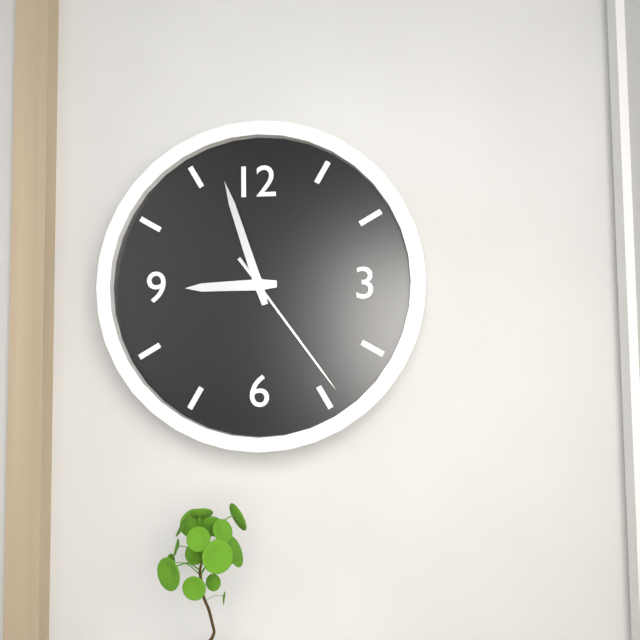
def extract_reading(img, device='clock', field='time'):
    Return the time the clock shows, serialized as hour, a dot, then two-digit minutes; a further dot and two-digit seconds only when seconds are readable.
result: 8.57.24
